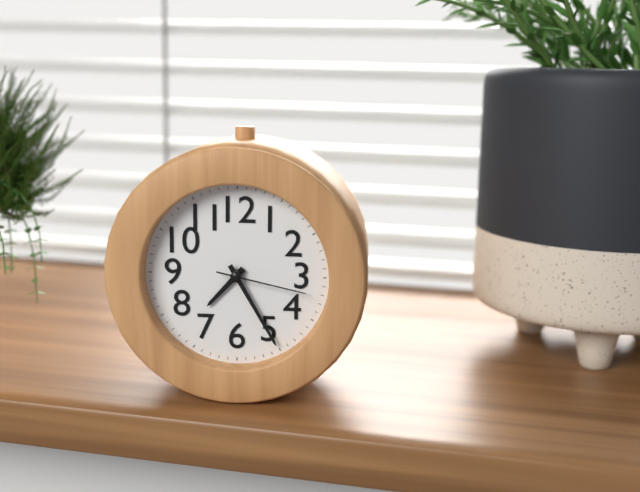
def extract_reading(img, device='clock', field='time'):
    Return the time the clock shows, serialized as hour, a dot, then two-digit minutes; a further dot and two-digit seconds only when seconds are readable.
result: 7.25.17
